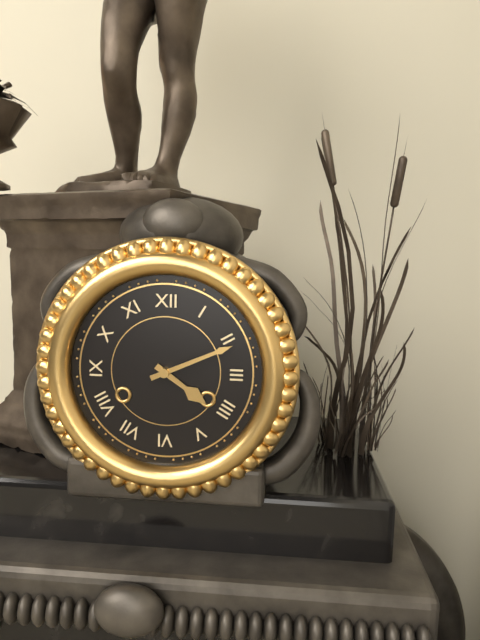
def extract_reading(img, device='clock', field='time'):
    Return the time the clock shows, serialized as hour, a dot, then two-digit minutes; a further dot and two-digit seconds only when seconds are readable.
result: 4.11
